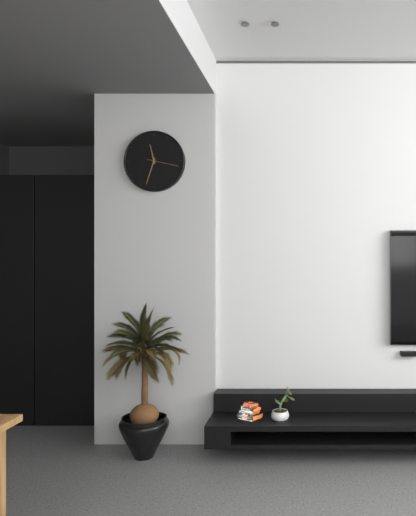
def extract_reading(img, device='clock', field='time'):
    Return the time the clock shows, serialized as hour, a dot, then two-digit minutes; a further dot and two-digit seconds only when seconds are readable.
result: 11.33
